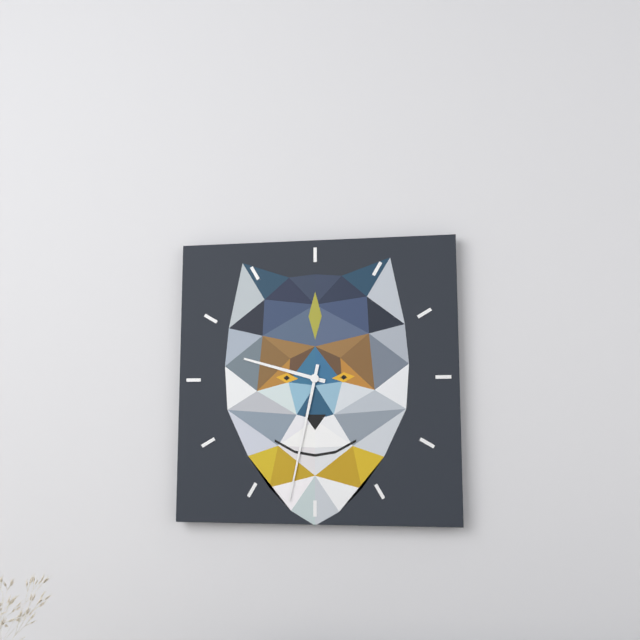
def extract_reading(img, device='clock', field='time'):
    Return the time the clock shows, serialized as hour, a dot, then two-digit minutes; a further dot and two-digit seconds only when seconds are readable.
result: 9.32
